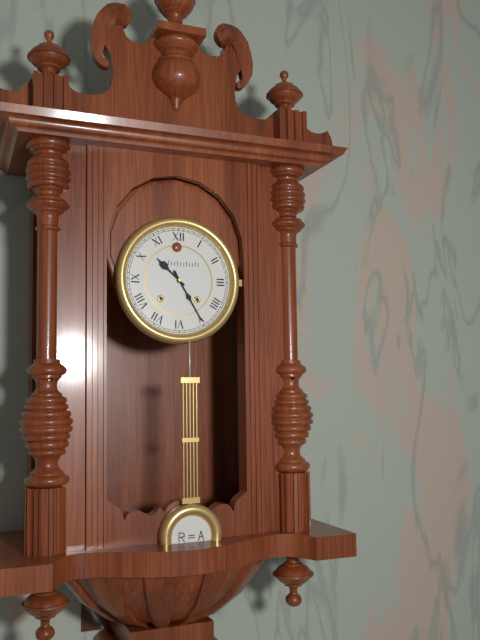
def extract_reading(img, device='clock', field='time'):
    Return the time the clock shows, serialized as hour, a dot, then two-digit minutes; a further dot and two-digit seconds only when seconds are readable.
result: 10.25
